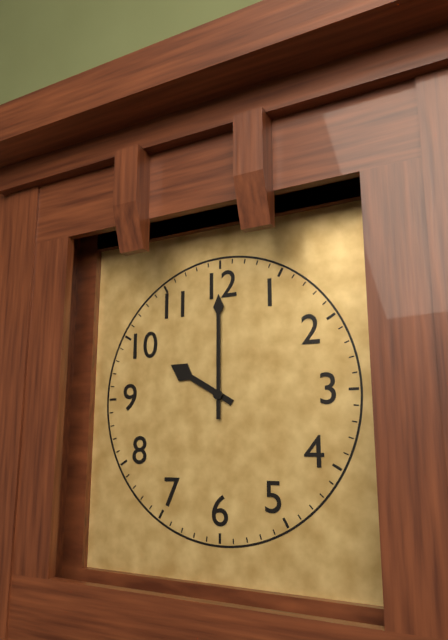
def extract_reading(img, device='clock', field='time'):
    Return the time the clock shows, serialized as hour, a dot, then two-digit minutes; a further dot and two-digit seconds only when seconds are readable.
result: 10.00
